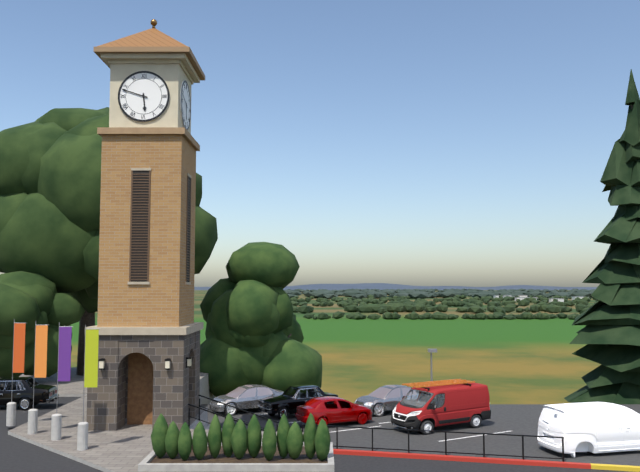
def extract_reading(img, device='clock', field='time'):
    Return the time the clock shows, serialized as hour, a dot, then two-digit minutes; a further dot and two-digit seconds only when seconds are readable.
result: 5.48
